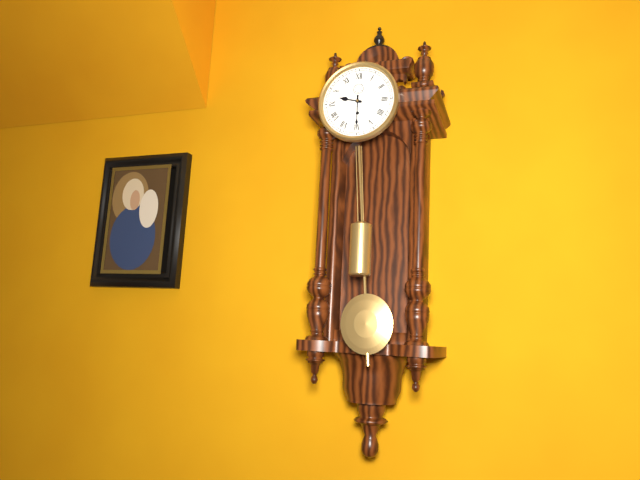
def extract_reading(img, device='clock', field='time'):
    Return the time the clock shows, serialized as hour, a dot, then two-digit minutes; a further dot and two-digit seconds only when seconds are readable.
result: 9.30
